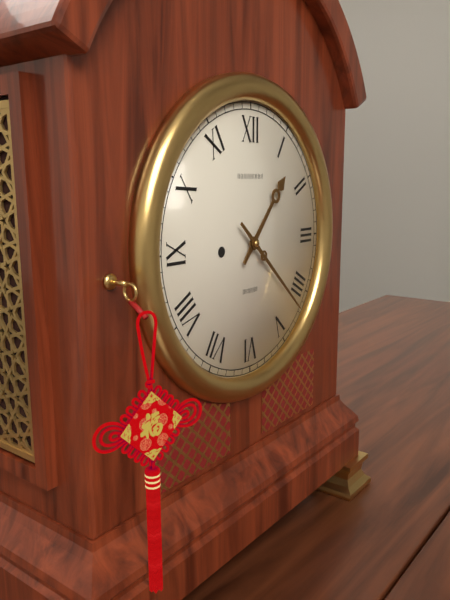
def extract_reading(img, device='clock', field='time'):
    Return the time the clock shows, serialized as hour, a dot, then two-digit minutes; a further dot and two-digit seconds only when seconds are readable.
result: 1.22
